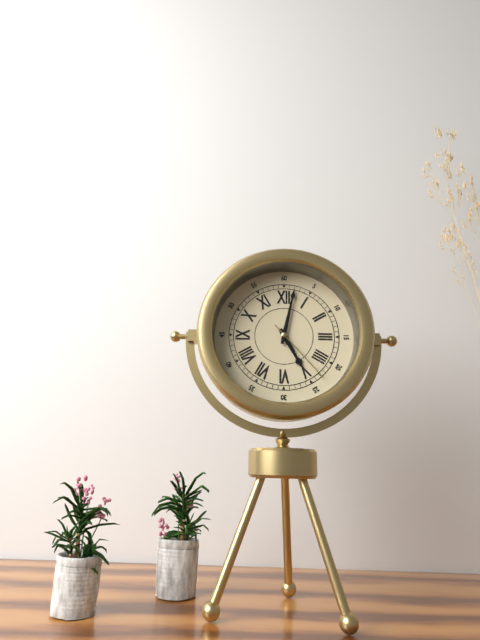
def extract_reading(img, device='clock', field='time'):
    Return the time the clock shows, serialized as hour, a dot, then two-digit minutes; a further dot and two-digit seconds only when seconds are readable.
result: 5.02.23
